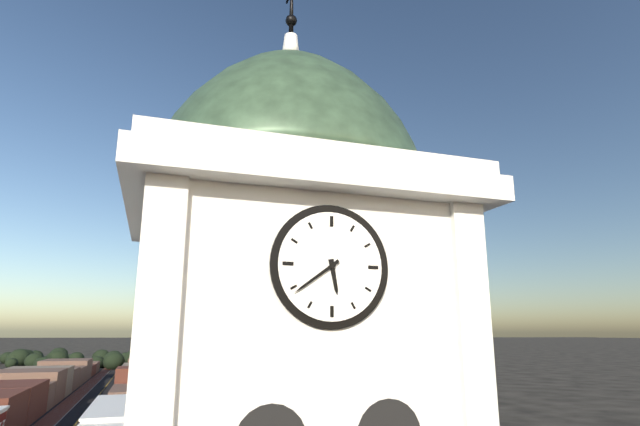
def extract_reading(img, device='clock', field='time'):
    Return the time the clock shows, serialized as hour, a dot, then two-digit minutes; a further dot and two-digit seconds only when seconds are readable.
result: 5.39
